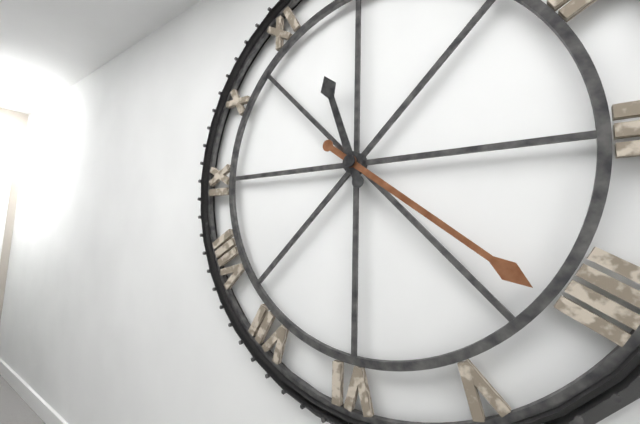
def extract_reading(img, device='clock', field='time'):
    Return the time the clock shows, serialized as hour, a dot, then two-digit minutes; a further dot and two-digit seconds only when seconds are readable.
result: 11.21
